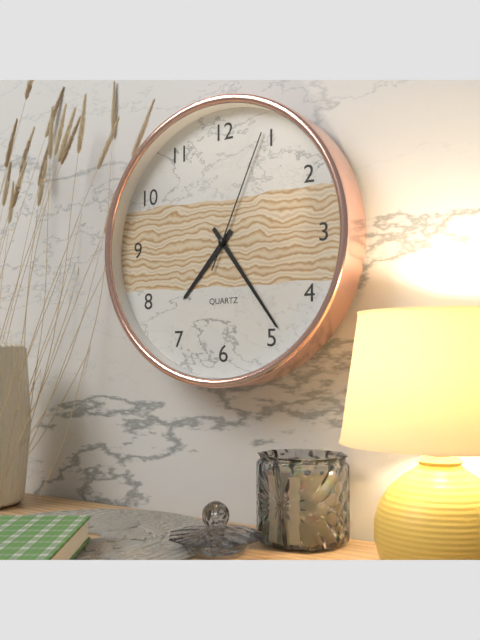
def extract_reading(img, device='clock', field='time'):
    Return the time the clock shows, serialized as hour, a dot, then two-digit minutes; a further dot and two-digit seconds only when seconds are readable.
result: 7.24.04
